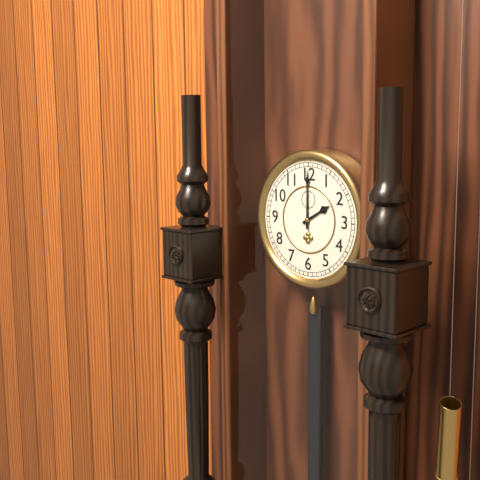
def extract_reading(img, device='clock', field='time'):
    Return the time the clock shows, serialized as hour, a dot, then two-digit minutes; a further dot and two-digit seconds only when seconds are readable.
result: 2.00
